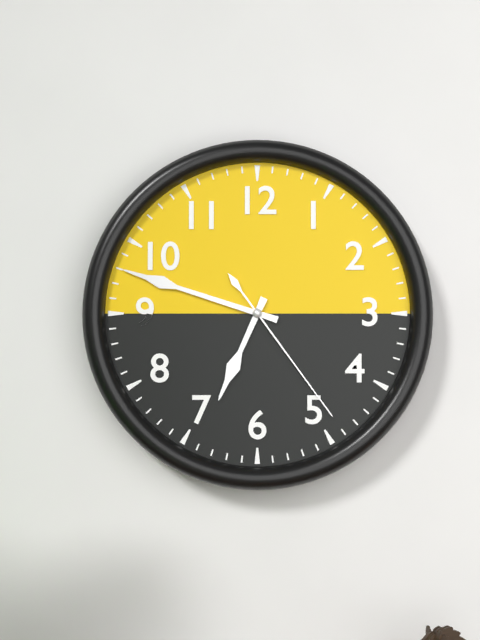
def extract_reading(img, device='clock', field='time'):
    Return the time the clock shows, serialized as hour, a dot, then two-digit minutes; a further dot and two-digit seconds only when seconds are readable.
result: 6.48.24
